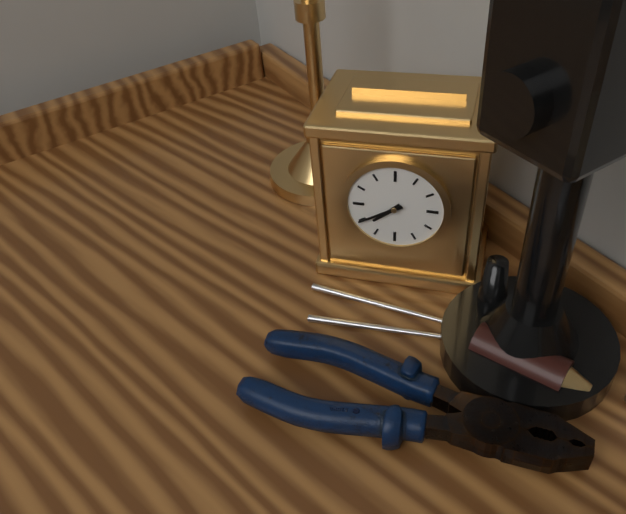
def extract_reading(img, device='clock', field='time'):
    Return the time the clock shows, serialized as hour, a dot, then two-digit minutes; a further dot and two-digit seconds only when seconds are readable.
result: 7.40
